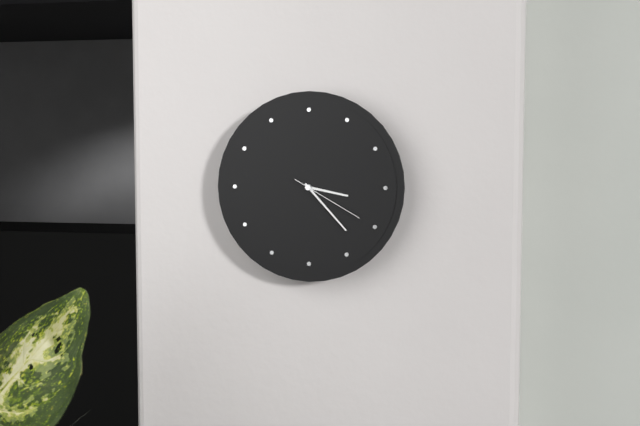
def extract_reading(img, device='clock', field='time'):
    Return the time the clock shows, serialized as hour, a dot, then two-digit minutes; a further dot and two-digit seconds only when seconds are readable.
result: 3.23.20
